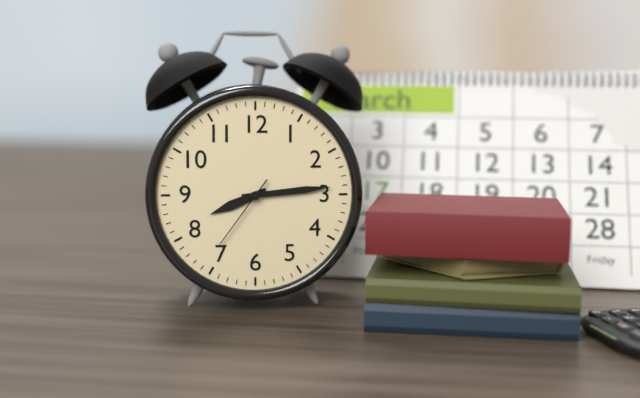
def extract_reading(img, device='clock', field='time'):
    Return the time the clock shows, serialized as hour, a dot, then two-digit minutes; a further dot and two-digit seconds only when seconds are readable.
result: 8.14.36
